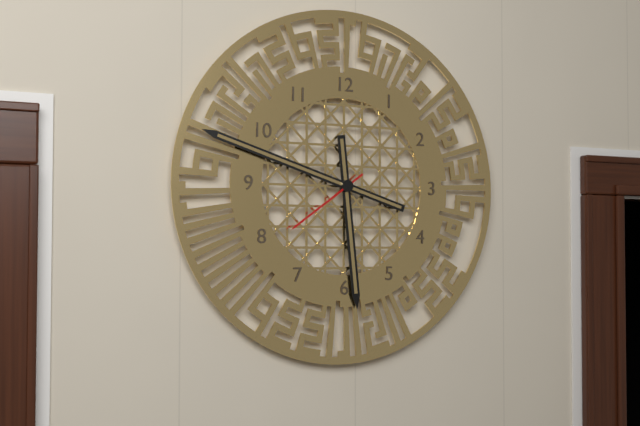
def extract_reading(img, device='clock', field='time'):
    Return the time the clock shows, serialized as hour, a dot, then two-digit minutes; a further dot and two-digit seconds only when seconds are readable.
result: 5.48.39
